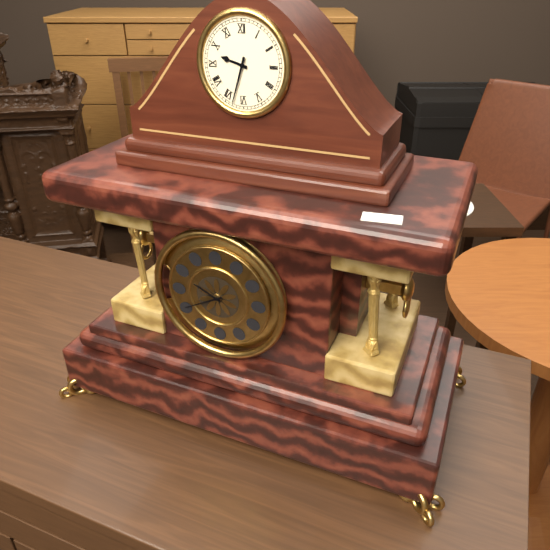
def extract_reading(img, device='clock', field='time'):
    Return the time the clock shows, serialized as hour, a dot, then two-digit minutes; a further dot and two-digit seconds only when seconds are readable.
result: 9.33
